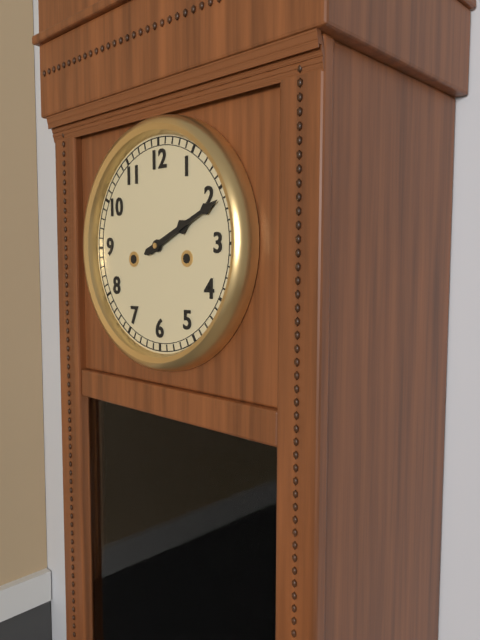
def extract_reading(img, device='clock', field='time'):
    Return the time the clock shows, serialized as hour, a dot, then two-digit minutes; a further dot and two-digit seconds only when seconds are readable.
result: 2.11
